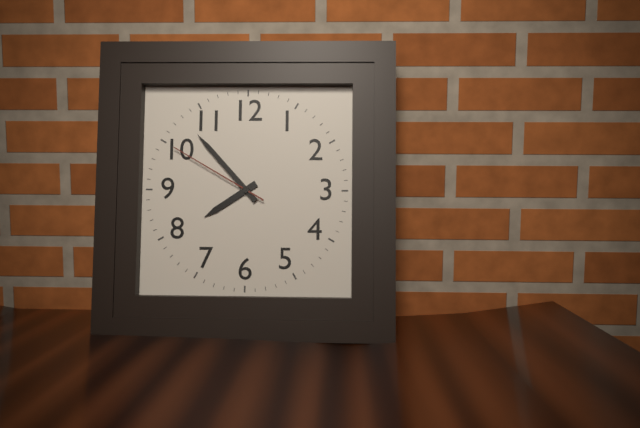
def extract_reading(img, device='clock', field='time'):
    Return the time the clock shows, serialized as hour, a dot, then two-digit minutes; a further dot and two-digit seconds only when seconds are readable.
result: 7.53.50
